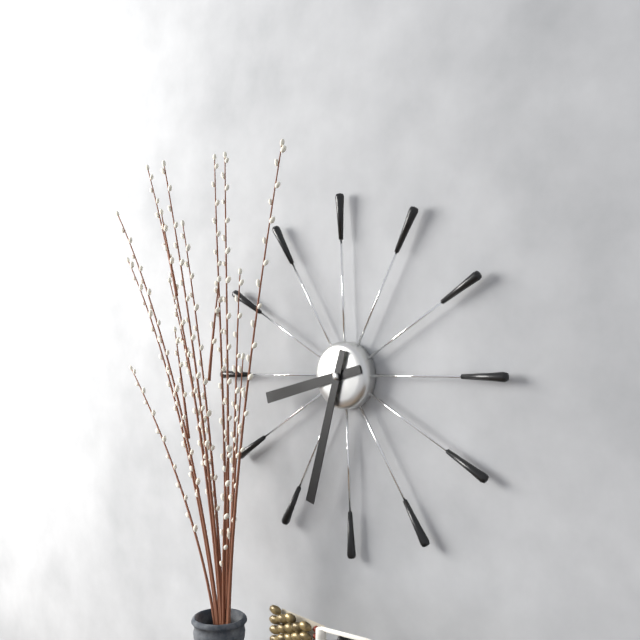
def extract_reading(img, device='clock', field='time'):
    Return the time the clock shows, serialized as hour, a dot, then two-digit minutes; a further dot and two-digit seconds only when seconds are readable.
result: 8.33
